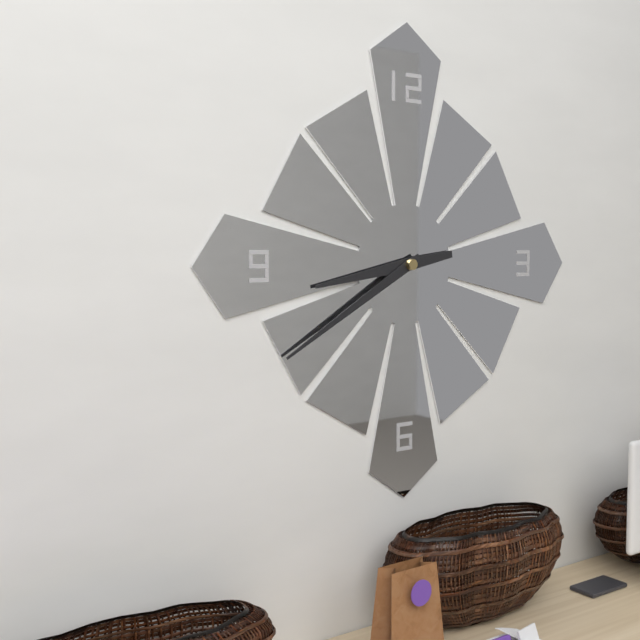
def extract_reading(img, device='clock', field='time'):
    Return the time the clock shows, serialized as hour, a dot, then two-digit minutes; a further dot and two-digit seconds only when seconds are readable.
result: 8.40
